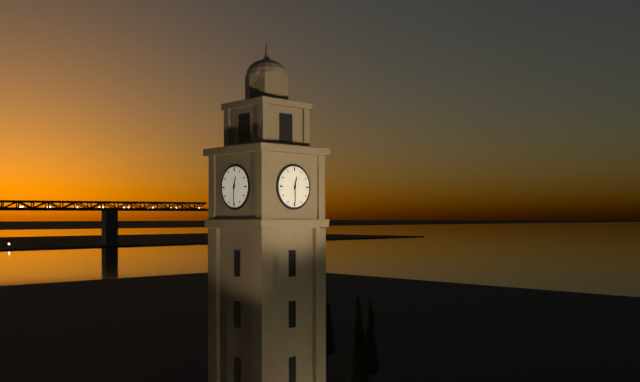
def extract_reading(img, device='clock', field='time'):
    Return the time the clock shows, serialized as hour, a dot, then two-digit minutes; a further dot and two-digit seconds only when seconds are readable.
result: 12.30
